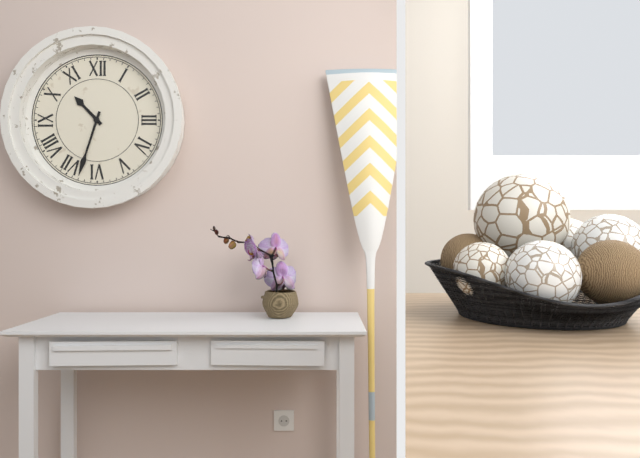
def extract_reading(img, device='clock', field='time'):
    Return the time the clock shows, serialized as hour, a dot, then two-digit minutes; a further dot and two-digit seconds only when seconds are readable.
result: 10.33
